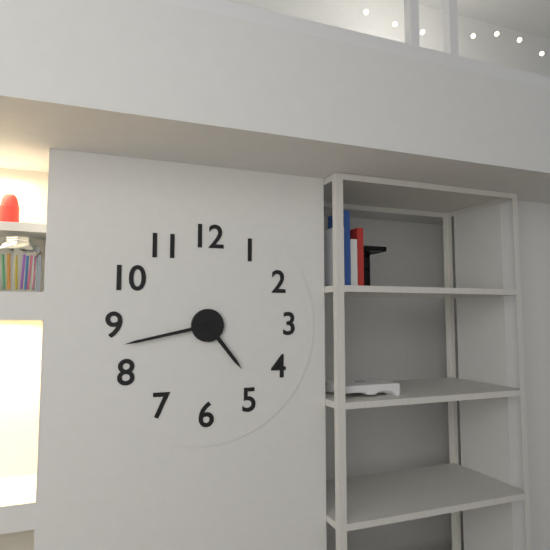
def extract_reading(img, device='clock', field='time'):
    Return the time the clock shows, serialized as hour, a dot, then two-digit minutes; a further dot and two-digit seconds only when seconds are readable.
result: 4.43
